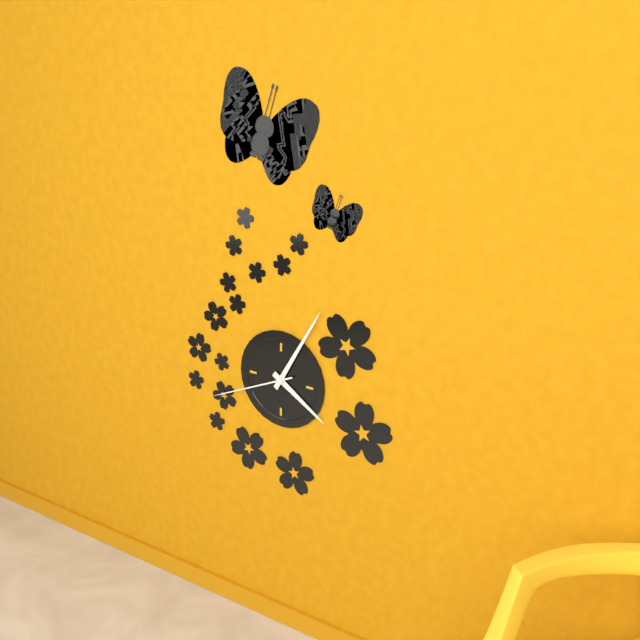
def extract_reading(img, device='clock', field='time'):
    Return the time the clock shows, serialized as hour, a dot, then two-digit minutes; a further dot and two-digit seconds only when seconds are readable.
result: 4.05.41
